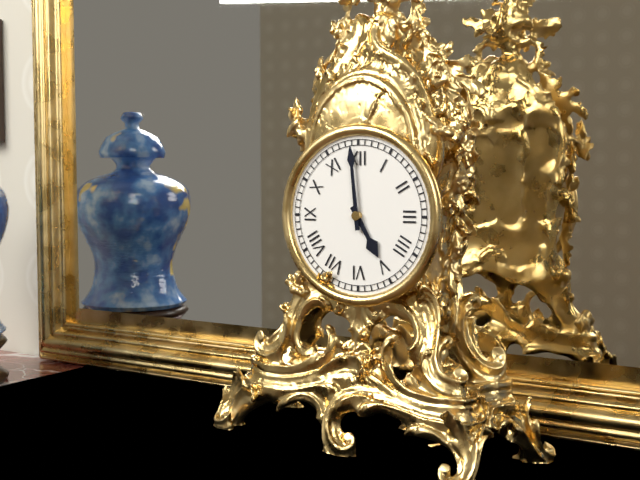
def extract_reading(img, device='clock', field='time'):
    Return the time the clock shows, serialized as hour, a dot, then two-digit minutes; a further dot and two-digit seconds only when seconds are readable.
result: 4.59
